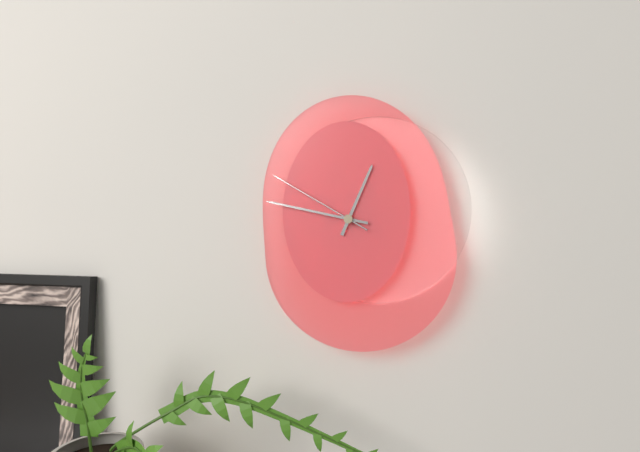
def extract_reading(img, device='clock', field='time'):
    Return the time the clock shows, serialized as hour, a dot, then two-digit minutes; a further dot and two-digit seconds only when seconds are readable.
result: 12.47.50
